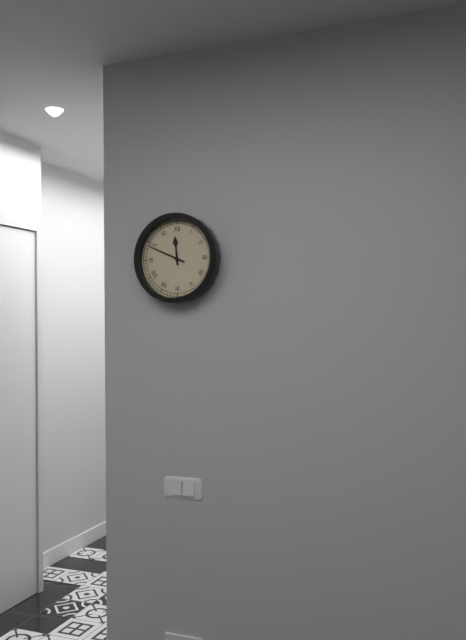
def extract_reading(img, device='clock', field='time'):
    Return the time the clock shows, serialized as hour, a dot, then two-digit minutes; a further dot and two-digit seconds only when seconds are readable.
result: 11.49
